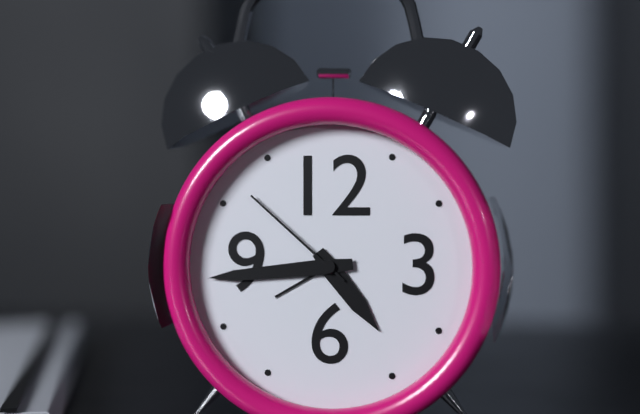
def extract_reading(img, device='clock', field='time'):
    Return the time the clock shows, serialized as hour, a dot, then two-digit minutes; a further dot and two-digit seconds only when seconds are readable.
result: 4.44.52
